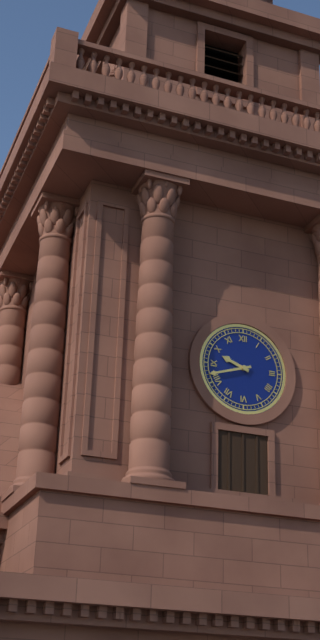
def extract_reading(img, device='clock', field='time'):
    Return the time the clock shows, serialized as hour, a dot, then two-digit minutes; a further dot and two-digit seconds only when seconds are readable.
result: 9.42
